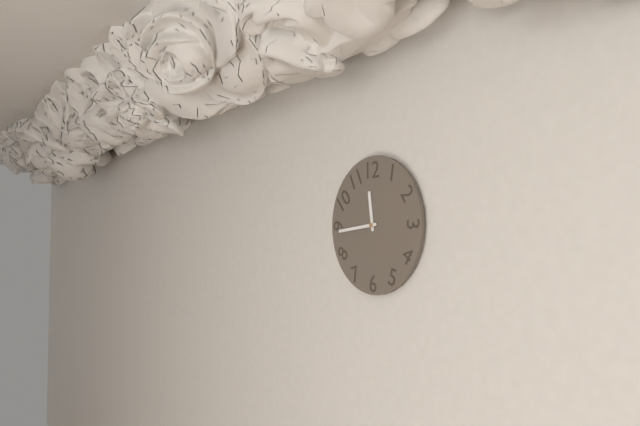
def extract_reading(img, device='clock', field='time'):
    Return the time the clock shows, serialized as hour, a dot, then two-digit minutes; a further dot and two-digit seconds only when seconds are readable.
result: 11.44
